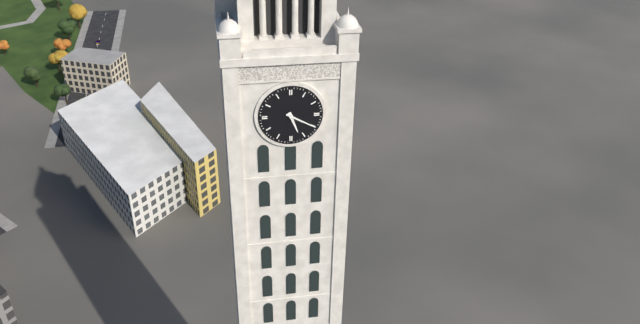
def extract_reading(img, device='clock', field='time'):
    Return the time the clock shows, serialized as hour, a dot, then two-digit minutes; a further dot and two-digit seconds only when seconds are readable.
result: 5.20
